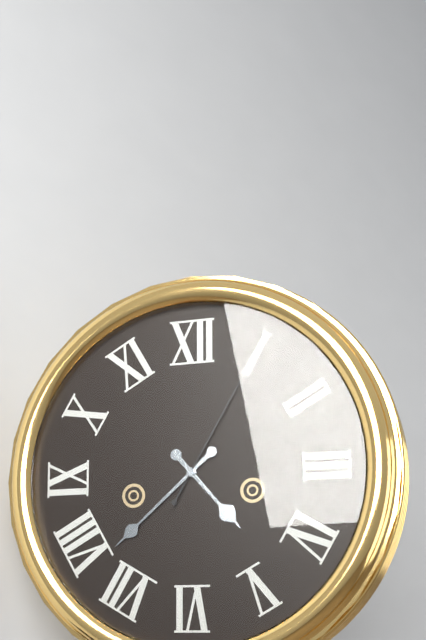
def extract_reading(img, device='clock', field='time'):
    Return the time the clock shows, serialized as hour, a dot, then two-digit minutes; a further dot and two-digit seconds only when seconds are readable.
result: 4.38.05
